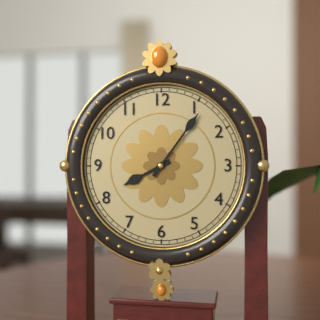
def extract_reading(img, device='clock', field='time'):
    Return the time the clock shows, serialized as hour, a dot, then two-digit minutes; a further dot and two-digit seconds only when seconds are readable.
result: 8.06
